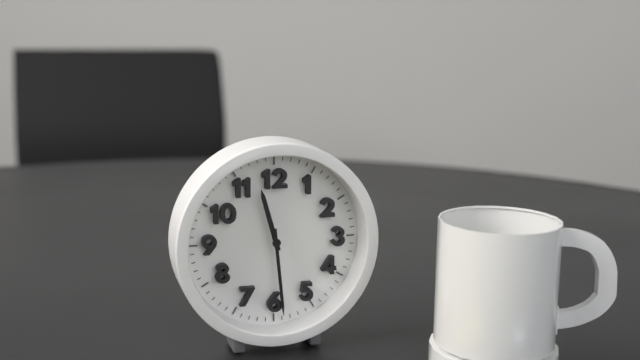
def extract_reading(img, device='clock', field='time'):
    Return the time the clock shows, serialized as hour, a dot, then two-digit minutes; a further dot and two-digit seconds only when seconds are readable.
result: 11.29
